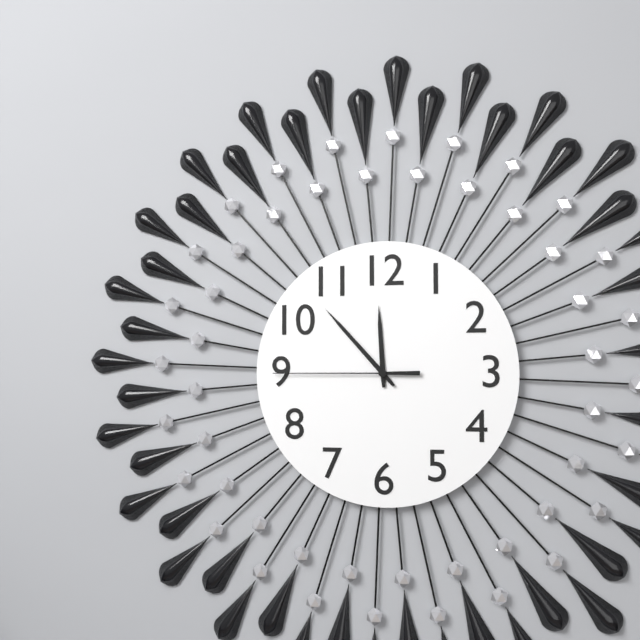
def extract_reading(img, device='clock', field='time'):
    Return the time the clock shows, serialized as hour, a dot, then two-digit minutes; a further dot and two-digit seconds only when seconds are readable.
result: 11.53.45
